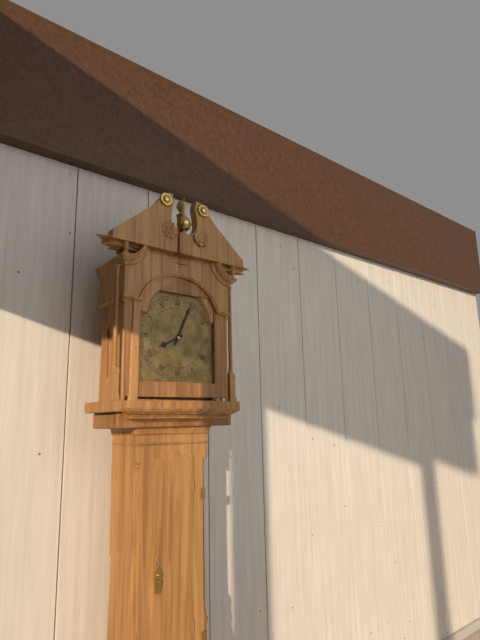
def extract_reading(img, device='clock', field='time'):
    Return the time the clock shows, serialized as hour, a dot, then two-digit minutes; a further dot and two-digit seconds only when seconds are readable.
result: 8.04
